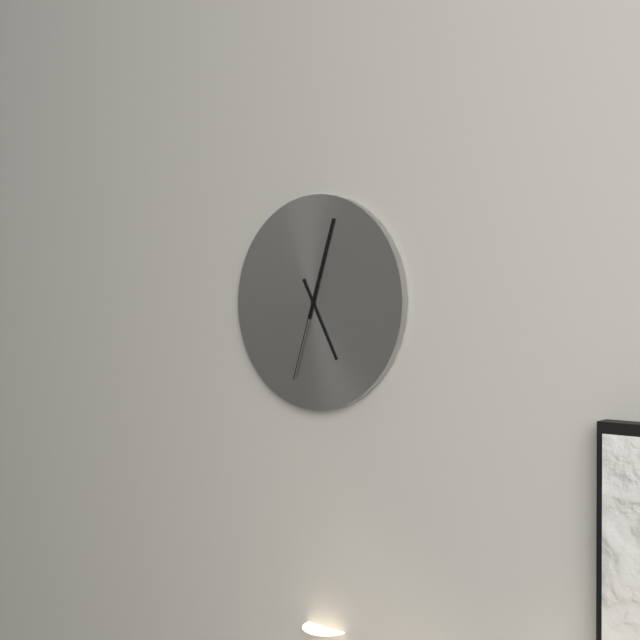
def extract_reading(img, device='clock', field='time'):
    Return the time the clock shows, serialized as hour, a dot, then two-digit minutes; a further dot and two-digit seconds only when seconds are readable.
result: 5.03.33
